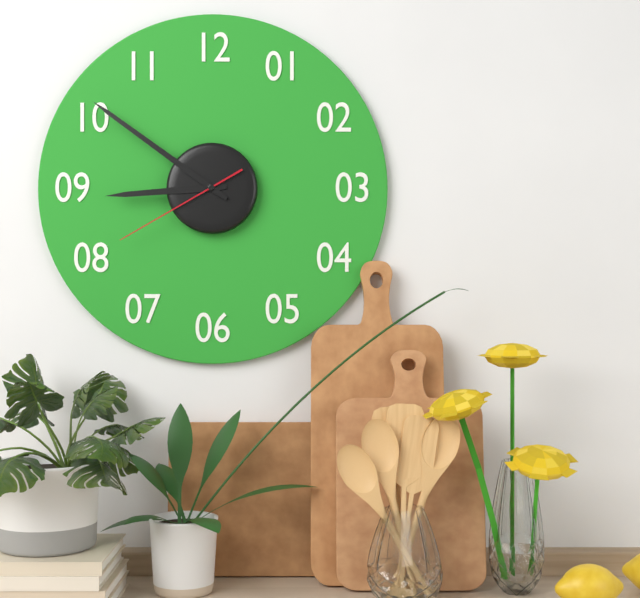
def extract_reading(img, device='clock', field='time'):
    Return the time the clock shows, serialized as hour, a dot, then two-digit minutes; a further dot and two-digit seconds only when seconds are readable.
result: 8.51.40
